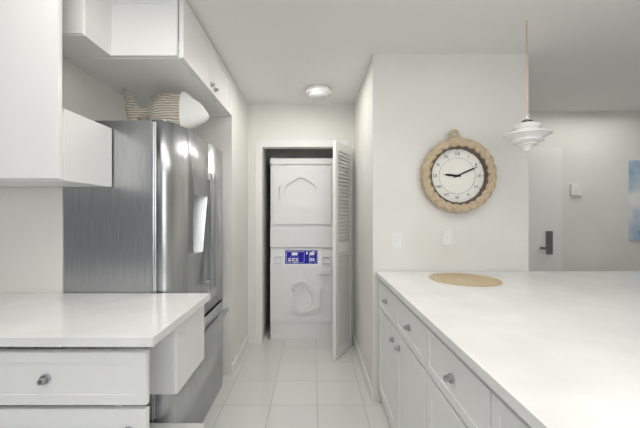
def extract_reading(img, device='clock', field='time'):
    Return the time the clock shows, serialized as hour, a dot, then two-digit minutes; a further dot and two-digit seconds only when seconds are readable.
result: 9.11
